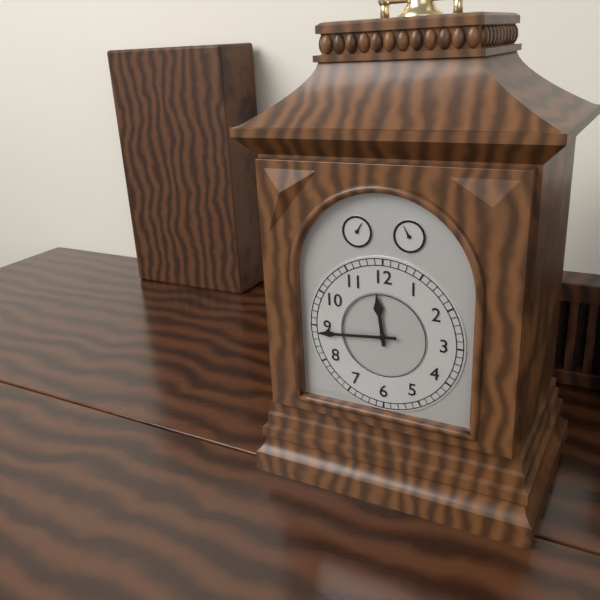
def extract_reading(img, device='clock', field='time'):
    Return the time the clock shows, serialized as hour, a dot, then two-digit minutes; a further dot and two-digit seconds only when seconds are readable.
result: 11.44
